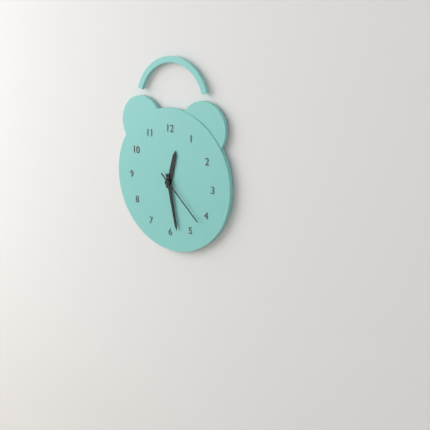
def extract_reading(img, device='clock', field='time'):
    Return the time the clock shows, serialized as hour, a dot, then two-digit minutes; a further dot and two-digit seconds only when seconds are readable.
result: 12.28.22
